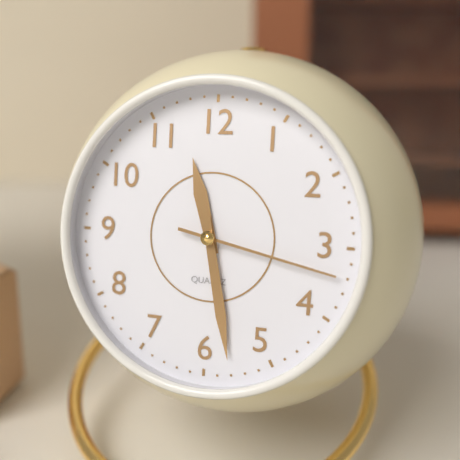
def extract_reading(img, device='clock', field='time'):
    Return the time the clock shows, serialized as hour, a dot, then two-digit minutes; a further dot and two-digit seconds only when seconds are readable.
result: 11.28.17
